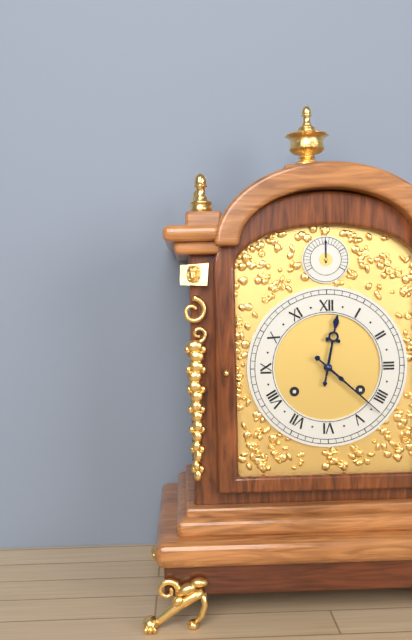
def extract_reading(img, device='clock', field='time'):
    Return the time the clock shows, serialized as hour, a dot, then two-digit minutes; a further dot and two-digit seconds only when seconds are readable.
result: 12.22
